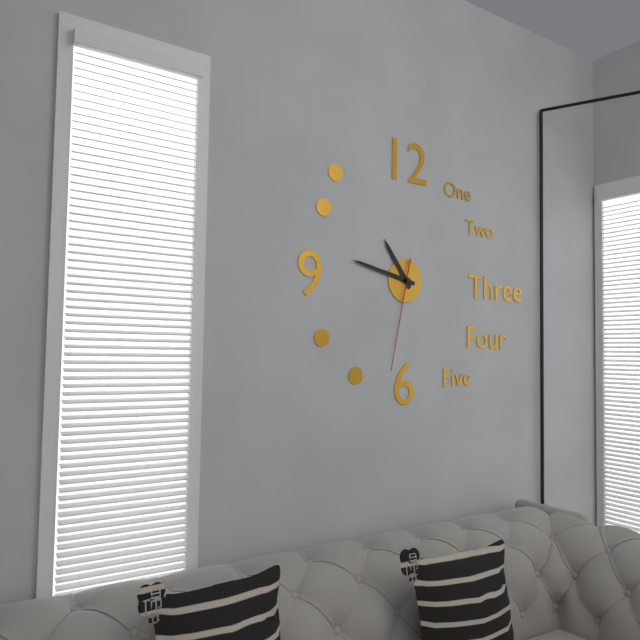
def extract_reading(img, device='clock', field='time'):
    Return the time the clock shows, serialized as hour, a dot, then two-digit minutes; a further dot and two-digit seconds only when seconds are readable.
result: 10.47.32
